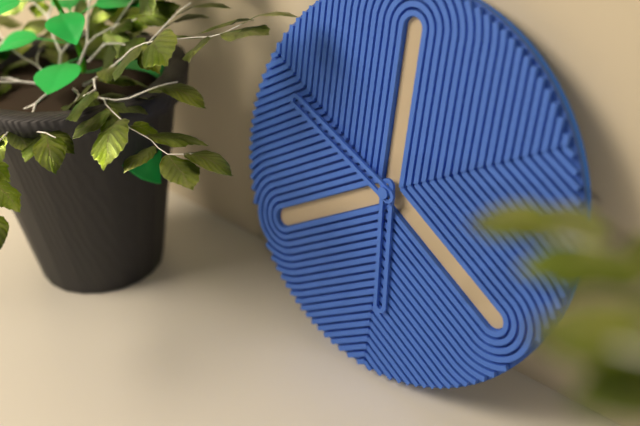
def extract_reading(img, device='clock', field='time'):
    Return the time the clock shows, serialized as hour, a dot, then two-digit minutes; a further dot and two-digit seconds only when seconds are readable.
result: 5.49
